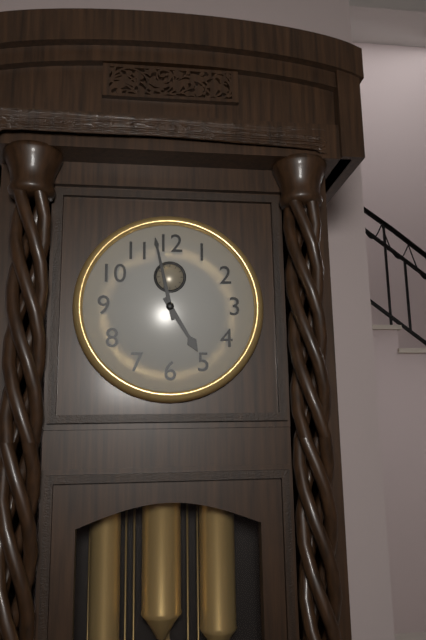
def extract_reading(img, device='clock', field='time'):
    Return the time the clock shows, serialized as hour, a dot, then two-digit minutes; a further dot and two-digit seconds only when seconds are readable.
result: 4.58
